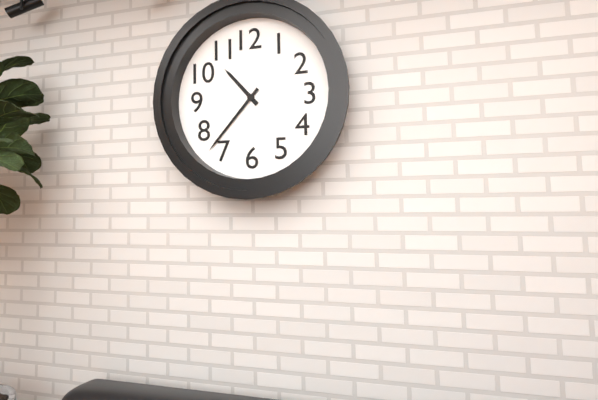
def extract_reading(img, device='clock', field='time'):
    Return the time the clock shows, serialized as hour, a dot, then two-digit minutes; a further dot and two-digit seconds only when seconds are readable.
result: 10.37
